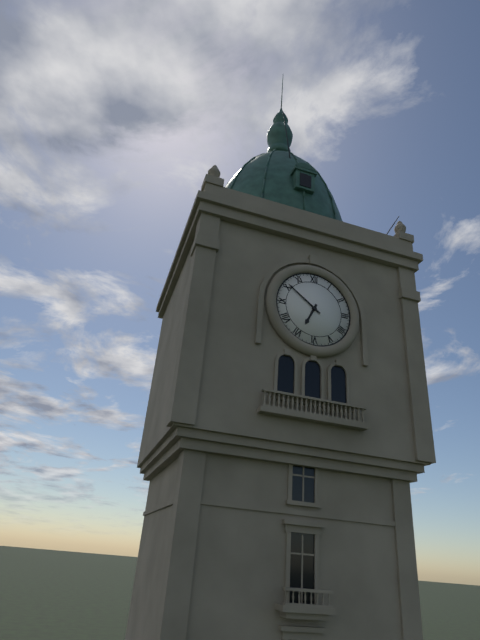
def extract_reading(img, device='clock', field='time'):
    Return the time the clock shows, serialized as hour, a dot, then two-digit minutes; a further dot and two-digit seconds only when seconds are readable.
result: 6.51
